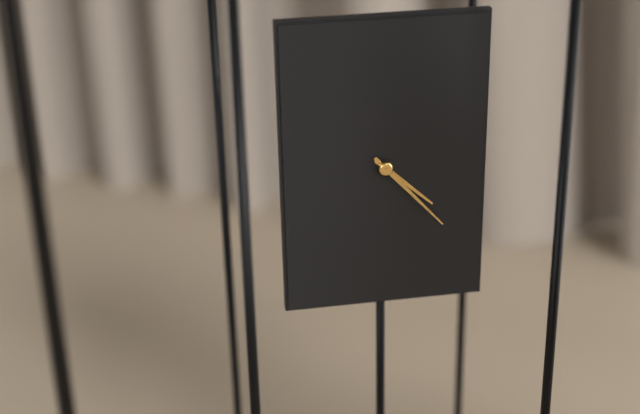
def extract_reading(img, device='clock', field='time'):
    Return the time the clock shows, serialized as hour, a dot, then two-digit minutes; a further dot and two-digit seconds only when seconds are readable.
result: 4.23
